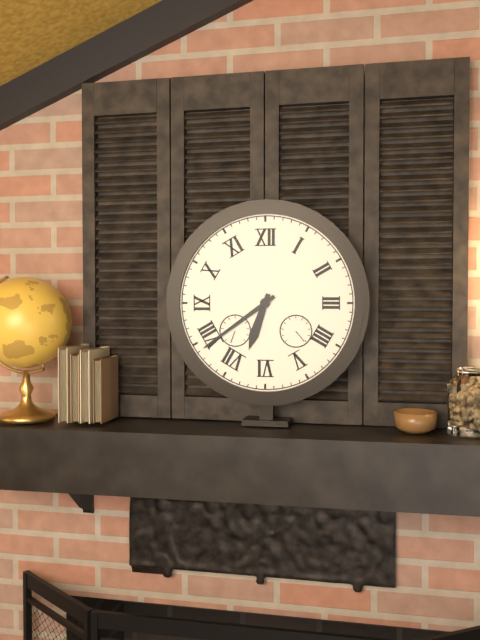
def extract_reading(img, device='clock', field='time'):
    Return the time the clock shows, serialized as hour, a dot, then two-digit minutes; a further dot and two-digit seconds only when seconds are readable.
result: 6.39
